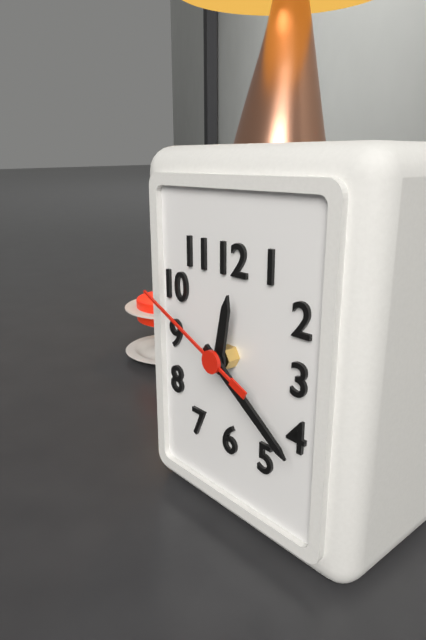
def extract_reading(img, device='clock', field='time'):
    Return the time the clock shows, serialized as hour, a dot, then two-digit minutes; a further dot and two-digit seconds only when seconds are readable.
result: 12.21.49
